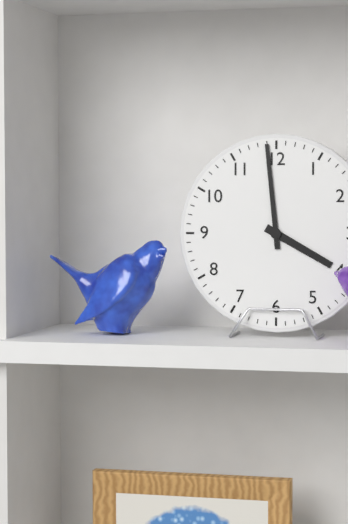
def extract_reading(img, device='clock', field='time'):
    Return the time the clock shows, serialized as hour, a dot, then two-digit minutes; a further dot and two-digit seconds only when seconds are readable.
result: 3.59
